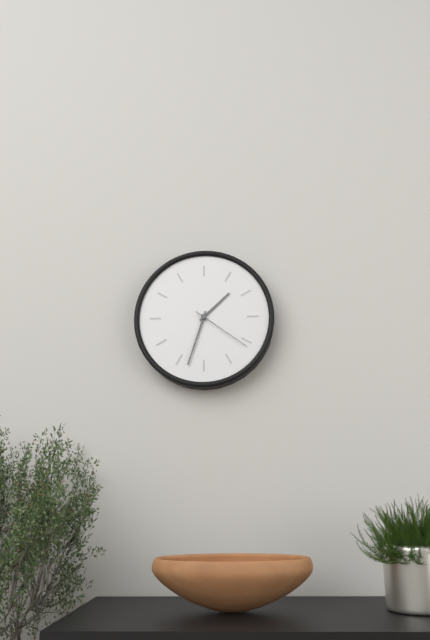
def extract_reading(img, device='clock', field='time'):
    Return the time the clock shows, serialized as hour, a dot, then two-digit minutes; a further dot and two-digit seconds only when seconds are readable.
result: 1.33.21
